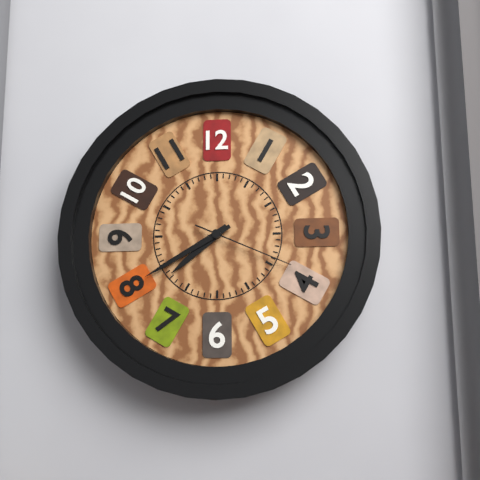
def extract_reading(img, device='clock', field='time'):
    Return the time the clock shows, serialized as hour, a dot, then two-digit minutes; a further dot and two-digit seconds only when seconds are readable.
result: 7.40.19
